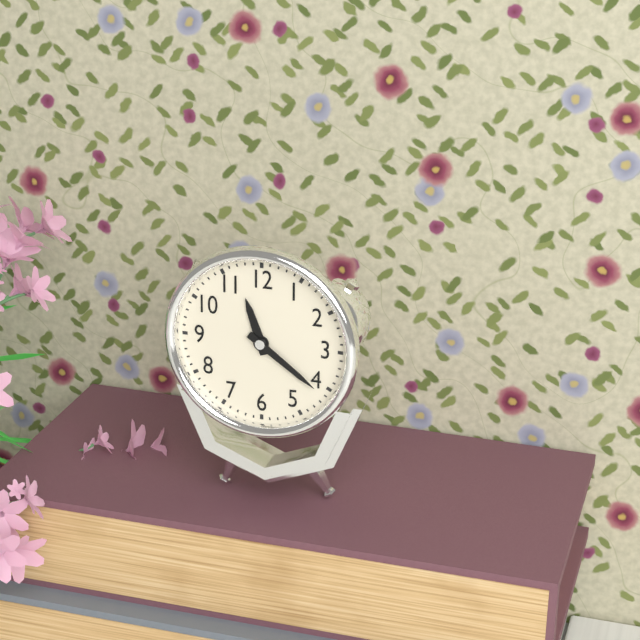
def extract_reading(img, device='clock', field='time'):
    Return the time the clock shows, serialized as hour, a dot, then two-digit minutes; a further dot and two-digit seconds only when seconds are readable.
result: 11.21
